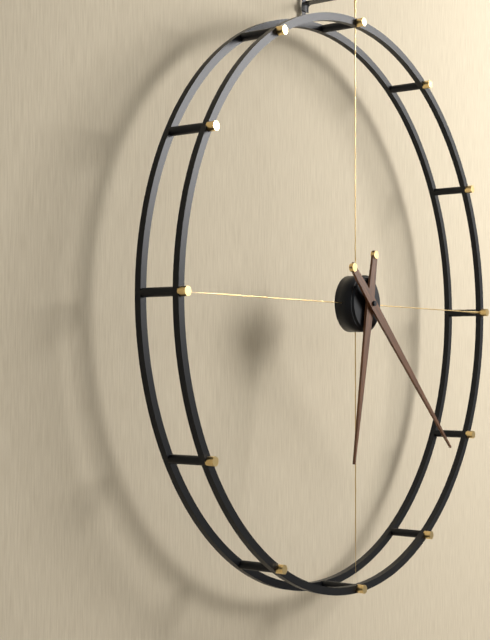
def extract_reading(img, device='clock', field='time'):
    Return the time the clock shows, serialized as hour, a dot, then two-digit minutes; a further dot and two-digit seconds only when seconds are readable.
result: 6.22
